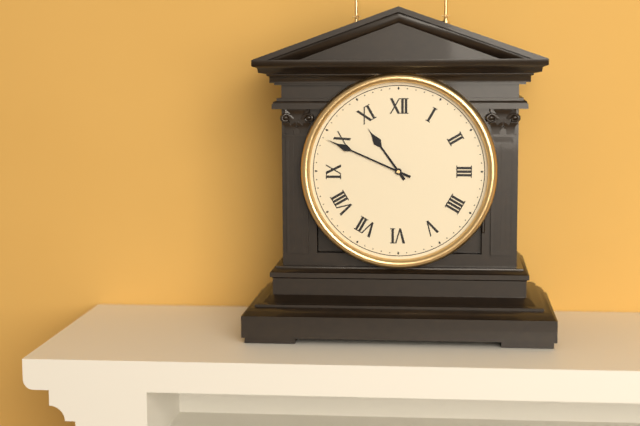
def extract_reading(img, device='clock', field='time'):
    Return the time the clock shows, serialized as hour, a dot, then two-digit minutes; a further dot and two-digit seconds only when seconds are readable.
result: 10.49
